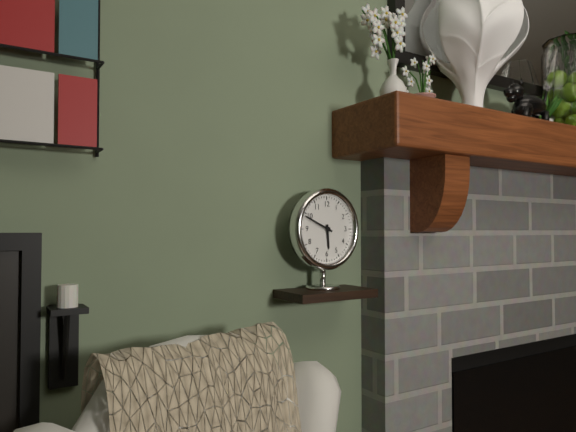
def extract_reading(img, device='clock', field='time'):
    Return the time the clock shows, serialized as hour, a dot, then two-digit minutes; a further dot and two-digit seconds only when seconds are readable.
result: 5.49
